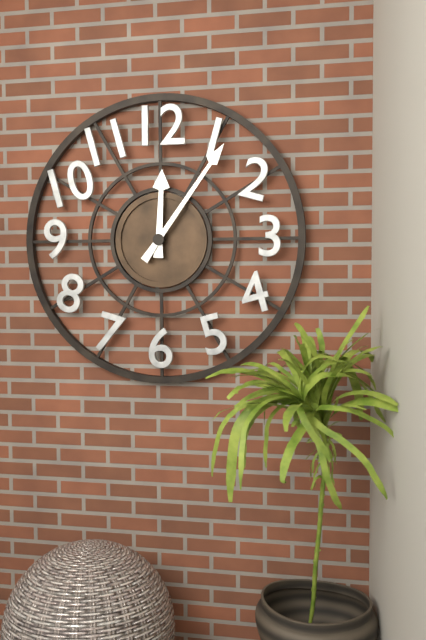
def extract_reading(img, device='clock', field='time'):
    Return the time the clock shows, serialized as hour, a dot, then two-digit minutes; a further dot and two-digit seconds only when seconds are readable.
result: 12.06
